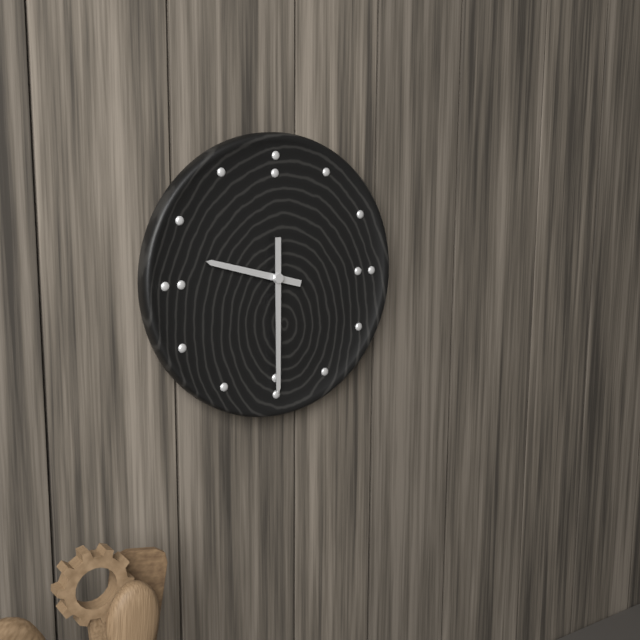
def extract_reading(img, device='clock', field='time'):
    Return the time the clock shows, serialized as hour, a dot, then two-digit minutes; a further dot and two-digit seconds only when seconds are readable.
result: 9.30
